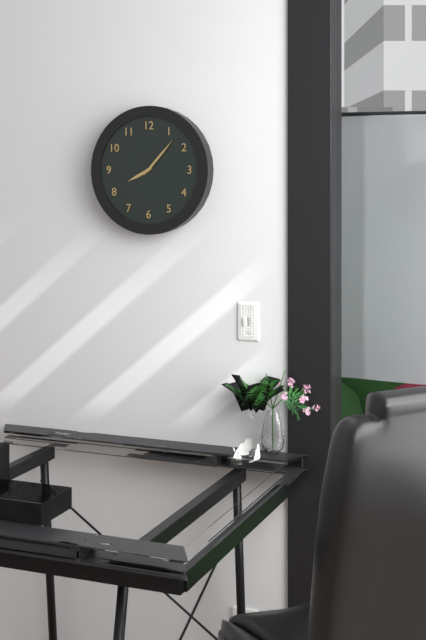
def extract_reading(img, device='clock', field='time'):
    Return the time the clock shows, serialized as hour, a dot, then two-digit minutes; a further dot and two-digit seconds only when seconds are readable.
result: 8.07
